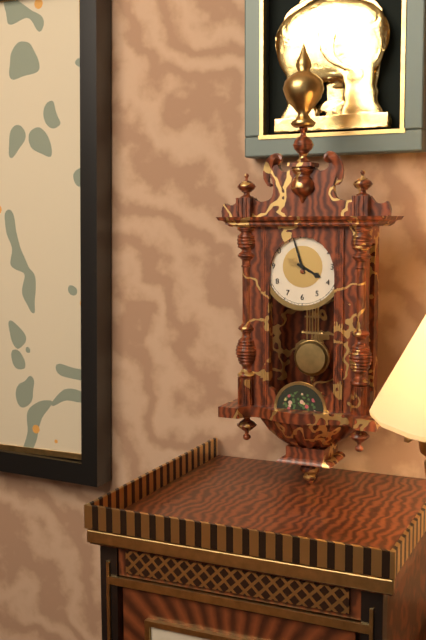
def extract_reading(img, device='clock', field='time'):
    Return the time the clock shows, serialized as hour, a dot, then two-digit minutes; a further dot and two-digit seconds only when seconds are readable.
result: 3.57
